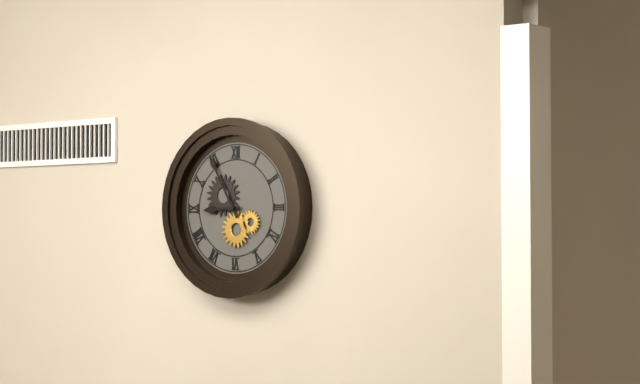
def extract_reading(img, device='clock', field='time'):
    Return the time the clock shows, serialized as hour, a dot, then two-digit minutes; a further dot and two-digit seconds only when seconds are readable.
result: 8.55
